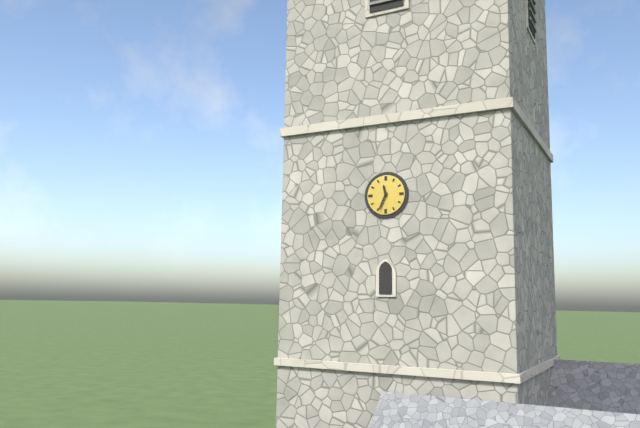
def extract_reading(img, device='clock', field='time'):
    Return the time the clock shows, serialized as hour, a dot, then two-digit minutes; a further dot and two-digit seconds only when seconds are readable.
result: 11.34
